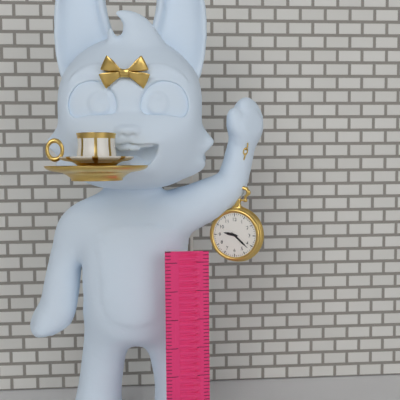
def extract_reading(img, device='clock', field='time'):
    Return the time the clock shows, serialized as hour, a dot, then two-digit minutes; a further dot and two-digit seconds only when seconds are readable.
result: 9.22
